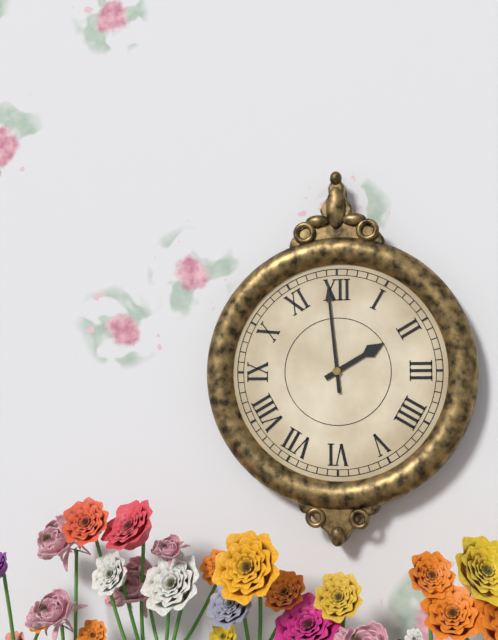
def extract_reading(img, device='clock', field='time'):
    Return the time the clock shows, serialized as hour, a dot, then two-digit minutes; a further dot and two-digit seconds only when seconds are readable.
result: 1.59
